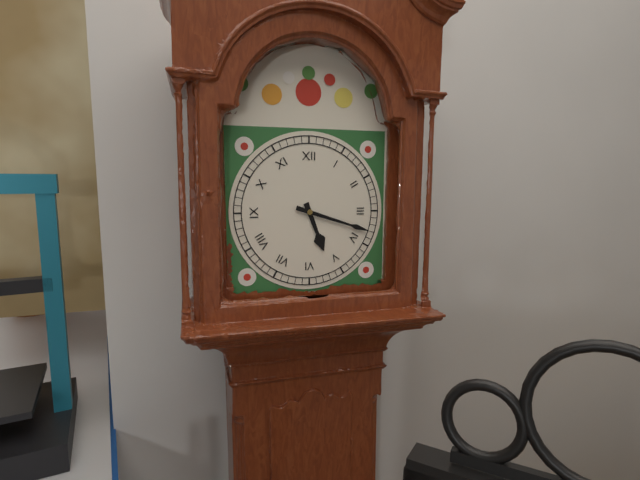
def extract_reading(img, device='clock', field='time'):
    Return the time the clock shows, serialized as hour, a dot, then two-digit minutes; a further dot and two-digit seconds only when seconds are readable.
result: 5.18
